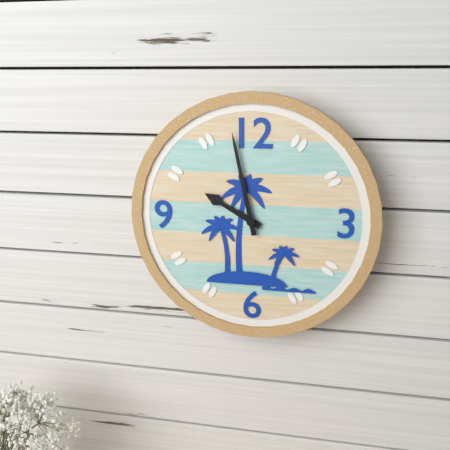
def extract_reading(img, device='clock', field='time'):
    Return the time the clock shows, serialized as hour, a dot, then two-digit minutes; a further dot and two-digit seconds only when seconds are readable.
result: 9.58
